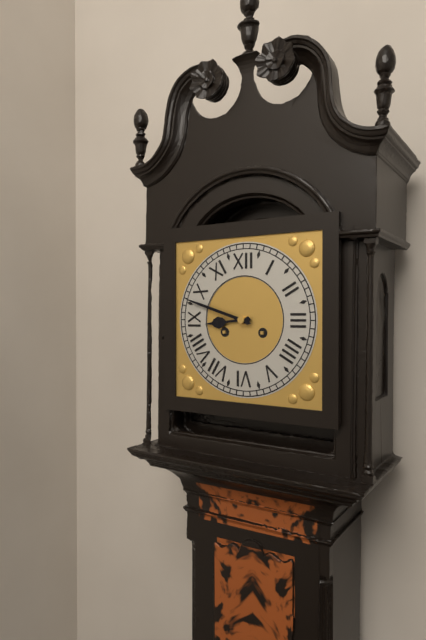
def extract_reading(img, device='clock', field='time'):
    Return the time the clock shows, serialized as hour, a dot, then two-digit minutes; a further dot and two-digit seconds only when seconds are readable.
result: 8.48
